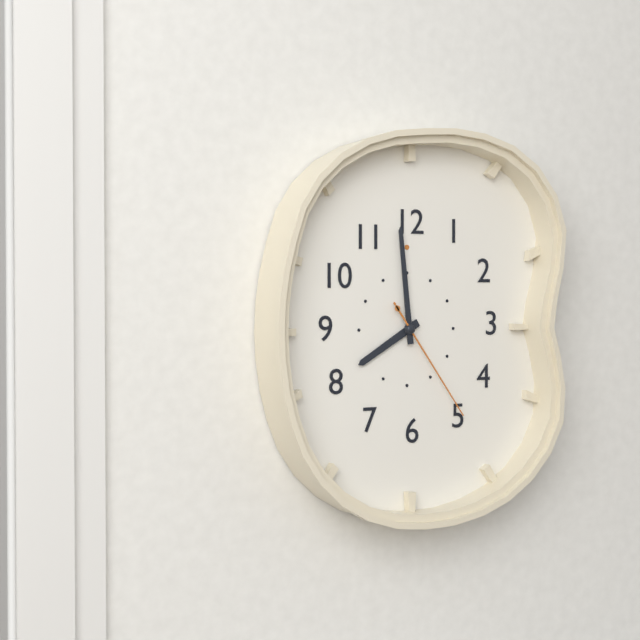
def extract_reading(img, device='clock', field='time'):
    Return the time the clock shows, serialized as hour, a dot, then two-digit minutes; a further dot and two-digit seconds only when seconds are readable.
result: 7.59.24
